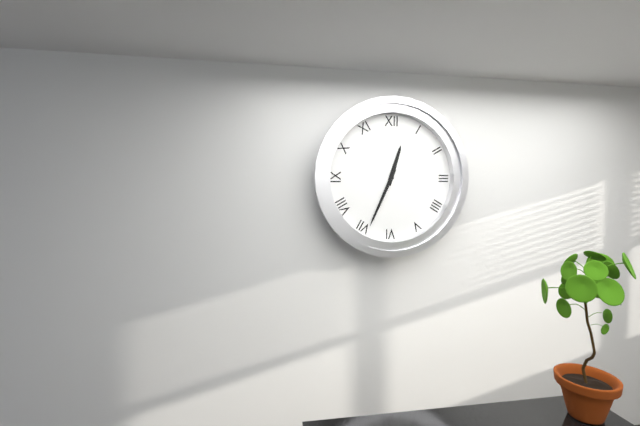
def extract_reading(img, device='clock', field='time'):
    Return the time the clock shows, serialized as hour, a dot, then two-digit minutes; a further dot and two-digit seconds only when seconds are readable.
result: 12.34
